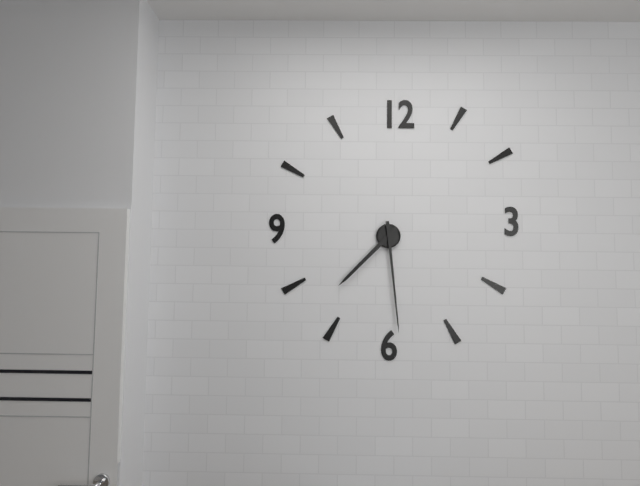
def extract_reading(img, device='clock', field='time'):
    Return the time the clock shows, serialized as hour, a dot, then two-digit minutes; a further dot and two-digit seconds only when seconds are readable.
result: 7.29
